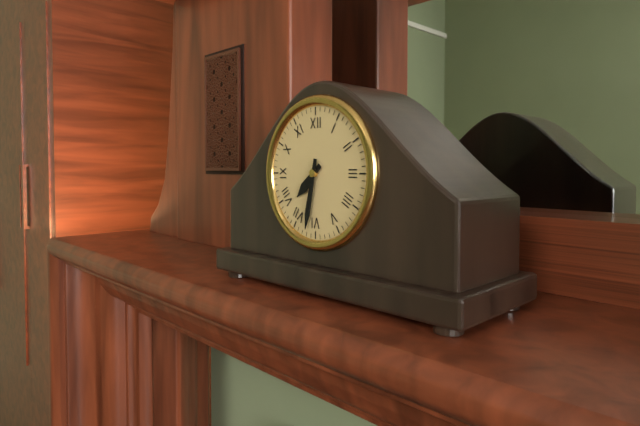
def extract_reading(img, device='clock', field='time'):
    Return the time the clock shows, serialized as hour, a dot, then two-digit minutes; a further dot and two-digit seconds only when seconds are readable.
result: 7.32
